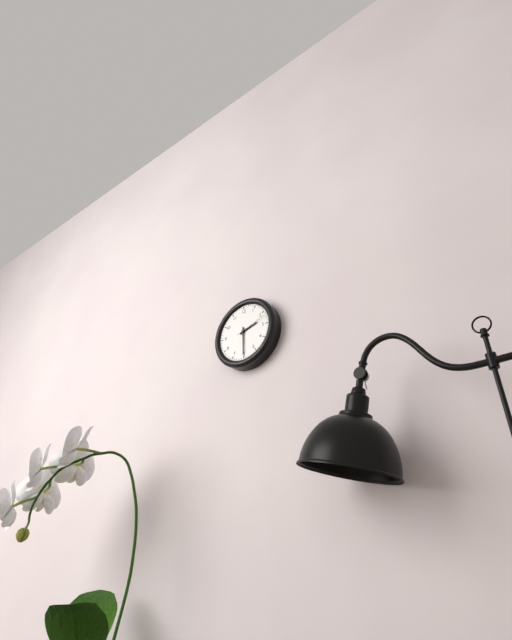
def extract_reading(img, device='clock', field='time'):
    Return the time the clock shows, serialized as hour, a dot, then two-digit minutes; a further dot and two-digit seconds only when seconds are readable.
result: 2.30
